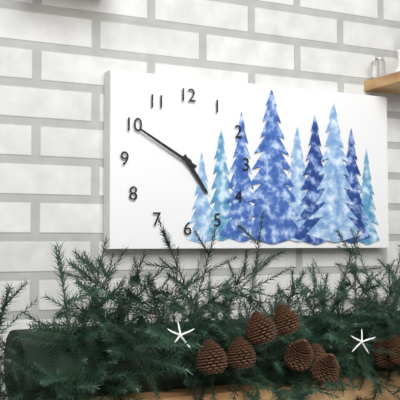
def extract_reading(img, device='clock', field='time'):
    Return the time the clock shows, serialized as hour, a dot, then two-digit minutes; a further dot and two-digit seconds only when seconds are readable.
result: 4.50
